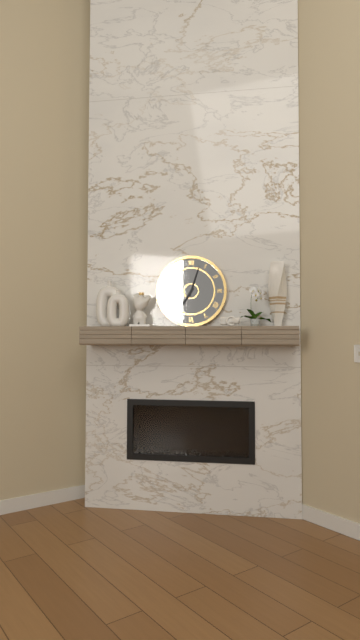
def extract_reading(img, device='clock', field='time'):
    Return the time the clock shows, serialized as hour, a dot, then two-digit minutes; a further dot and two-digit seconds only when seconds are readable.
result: 7.03
